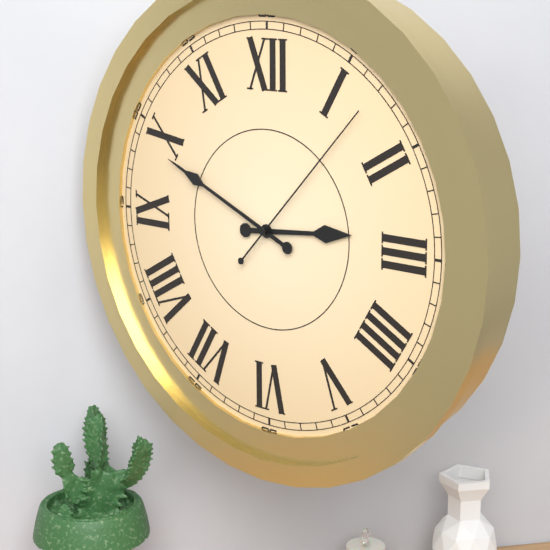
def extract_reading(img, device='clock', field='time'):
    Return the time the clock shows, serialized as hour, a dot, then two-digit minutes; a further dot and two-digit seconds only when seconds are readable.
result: 2.49.07
